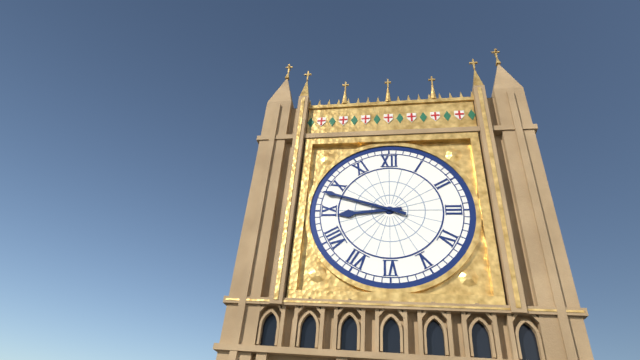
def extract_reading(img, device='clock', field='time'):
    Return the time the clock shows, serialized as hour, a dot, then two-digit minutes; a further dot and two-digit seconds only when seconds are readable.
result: 8.48
